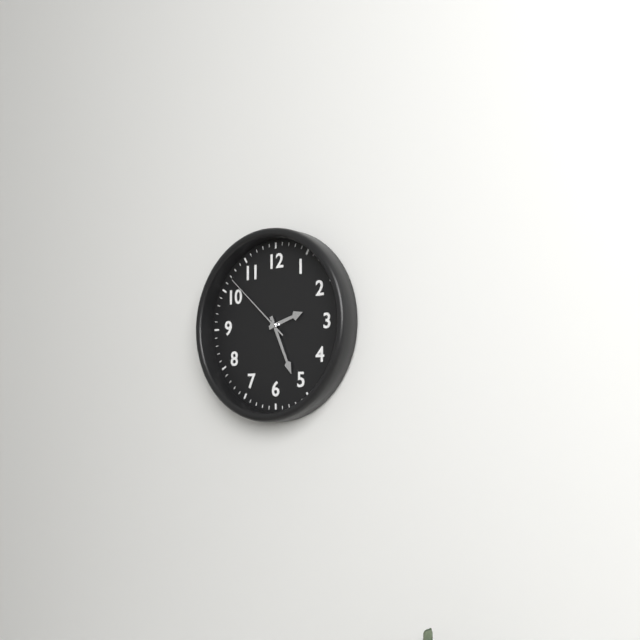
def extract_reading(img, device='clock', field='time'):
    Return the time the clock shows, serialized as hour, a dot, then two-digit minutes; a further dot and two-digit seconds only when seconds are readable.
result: 2.26.52
